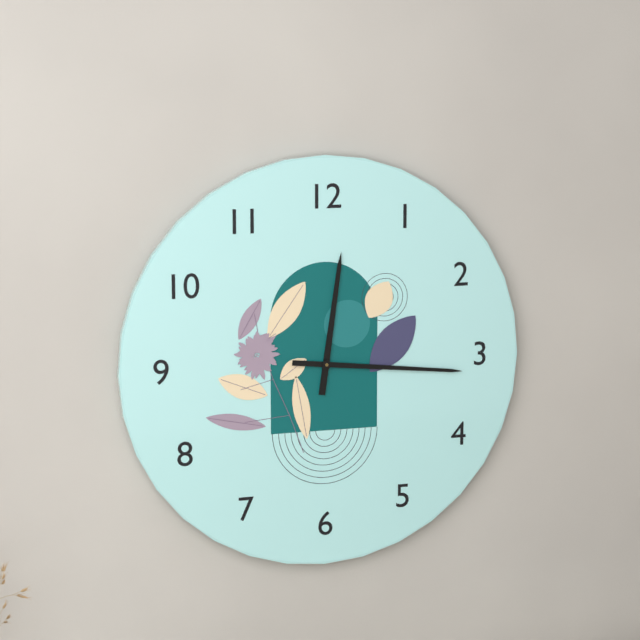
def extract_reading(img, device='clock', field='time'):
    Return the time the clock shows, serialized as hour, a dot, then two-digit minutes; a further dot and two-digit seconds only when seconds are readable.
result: 12.16
